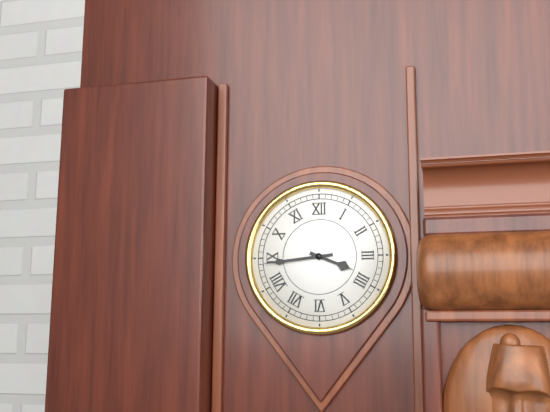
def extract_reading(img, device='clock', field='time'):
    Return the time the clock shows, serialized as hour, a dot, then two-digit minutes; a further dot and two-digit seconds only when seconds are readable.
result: 3.44
